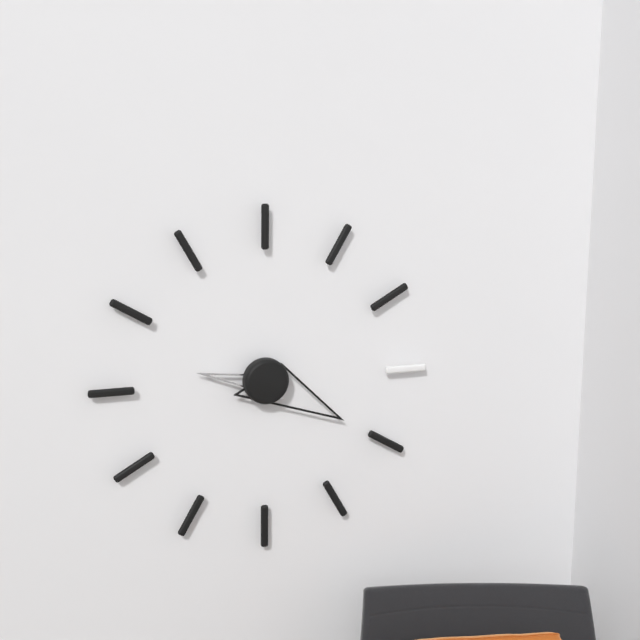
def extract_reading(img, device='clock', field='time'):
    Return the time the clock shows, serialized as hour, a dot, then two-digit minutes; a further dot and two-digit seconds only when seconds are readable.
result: 9.20
